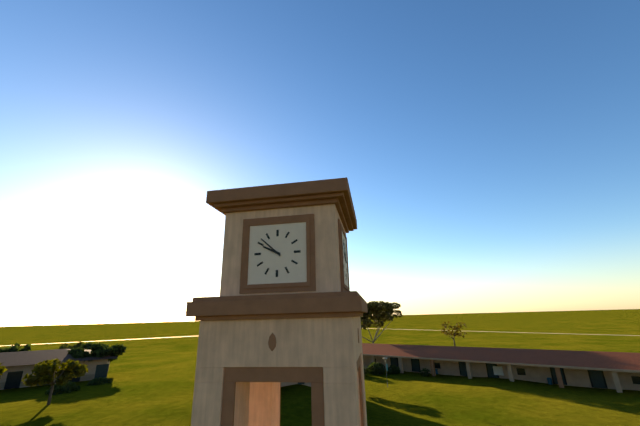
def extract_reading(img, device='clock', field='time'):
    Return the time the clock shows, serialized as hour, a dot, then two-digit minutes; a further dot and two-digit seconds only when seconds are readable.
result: 9.52
